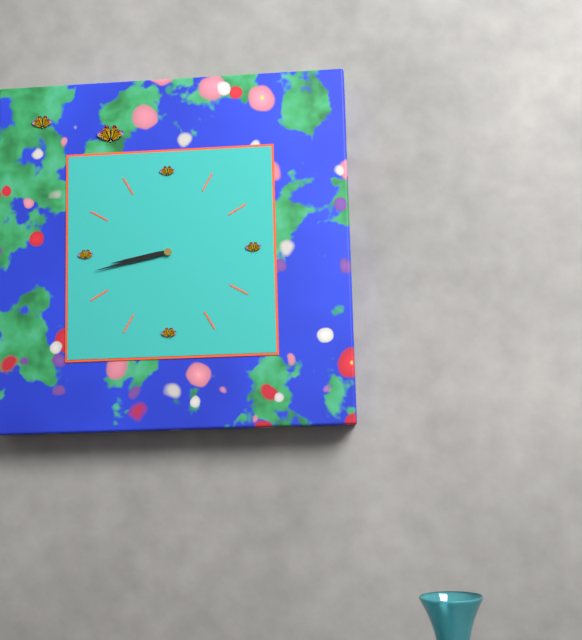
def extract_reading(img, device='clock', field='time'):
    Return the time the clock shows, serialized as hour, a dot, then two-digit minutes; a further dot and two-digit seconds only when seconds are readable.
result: 8.43
